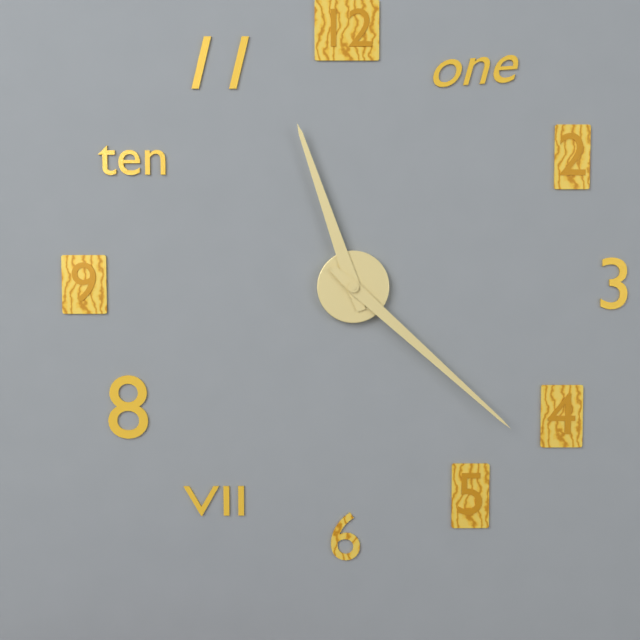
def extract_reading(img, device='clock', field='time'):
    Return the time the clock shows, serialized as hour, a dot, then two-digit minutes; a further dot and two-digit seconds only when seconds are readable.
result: 11.22
